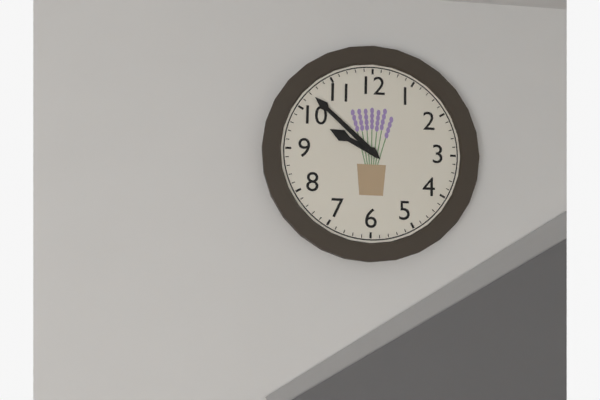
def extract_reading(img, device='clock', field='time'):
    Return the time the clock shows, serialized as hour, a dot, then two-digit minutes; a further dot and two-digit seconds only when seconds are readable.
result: 9.52
